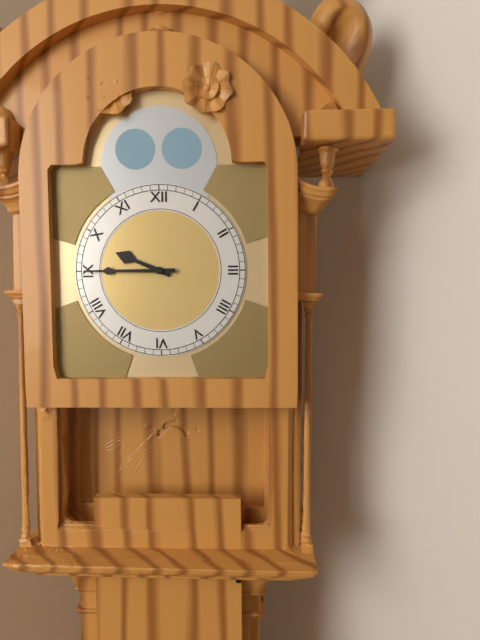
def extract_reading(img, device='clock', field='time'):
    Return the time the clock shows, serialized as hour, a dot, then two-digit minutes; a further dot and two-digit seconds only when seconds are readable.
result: 9.45
